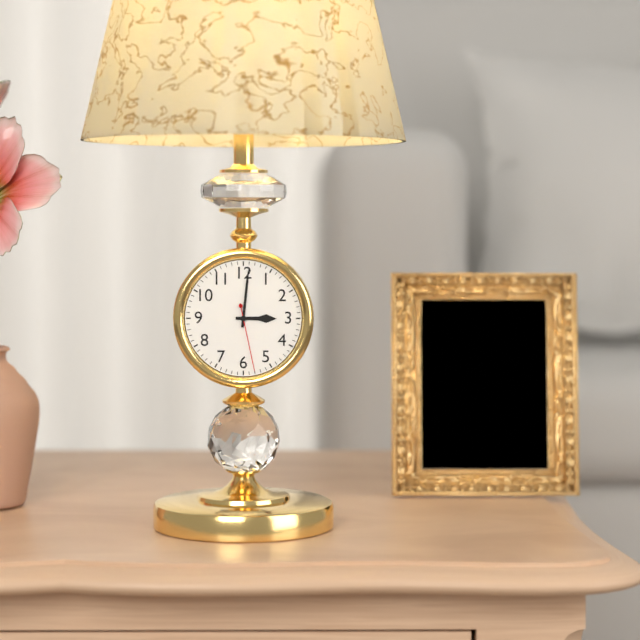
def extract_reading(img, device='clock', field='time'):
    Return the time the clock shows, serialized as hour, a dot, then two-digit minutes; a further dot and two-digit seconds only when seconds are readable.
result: 3.01.28
